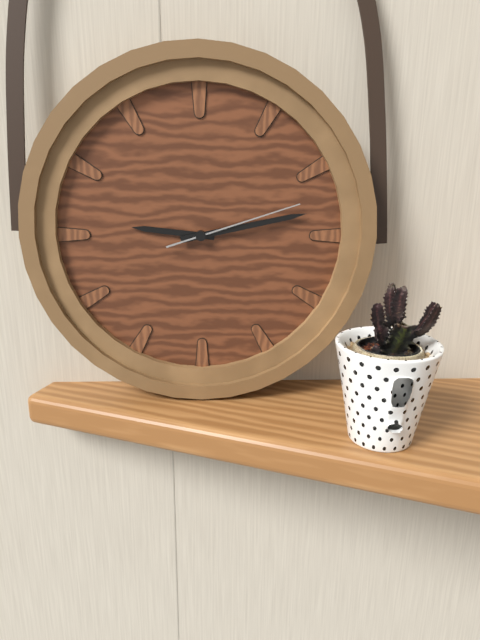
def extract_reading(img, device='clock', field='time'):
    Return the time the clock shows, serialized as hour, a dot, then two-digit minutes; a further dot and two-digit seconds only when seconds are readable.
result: 9.13.12
